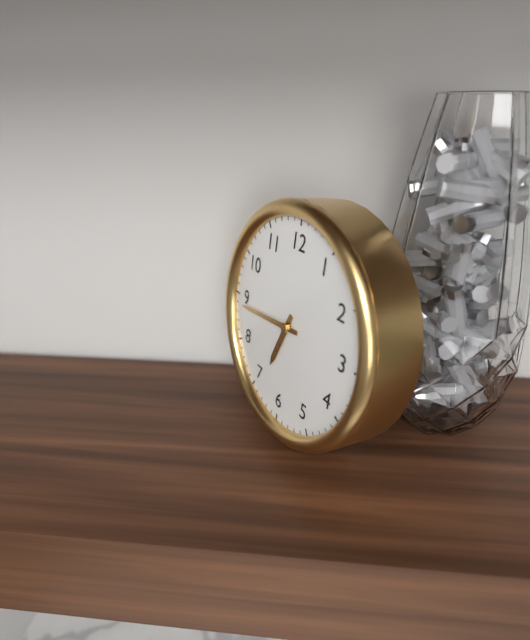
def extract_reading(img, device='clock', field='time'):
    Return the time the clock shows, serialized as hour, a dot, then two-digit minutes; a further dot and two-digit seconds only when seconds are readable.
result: 6.44
